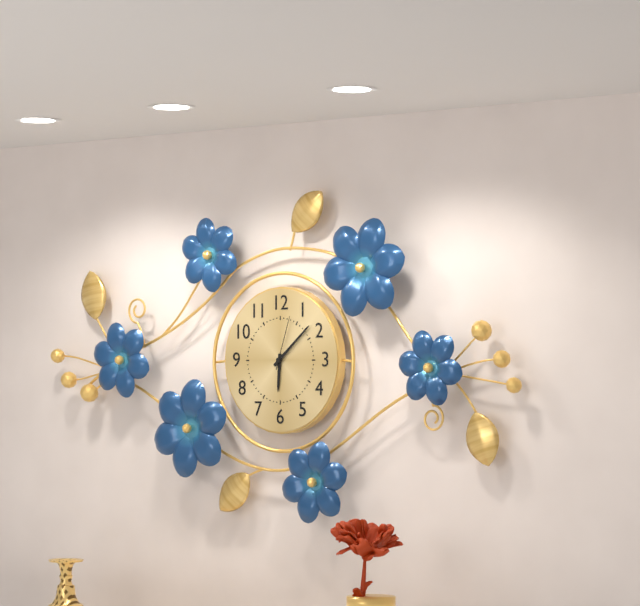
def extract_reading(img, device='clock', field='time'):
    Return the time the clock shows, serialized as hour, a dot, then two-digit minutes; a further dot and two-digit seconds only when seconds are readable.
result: 6.08.03
